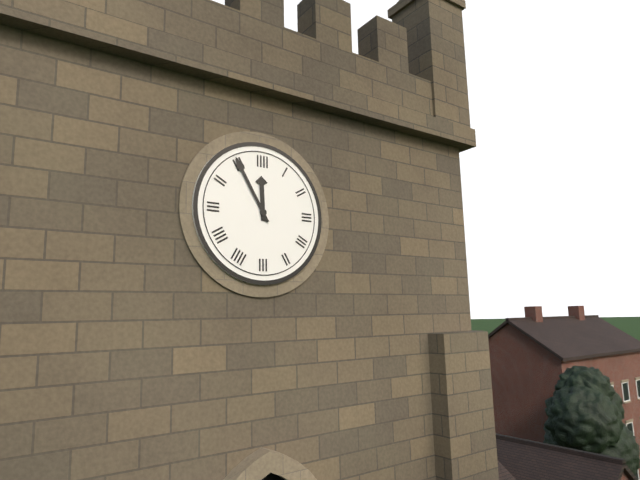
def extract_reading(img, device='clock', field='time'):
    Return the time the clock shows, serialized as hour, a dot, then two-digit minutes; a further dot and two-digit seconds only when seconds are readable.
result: 11.55
